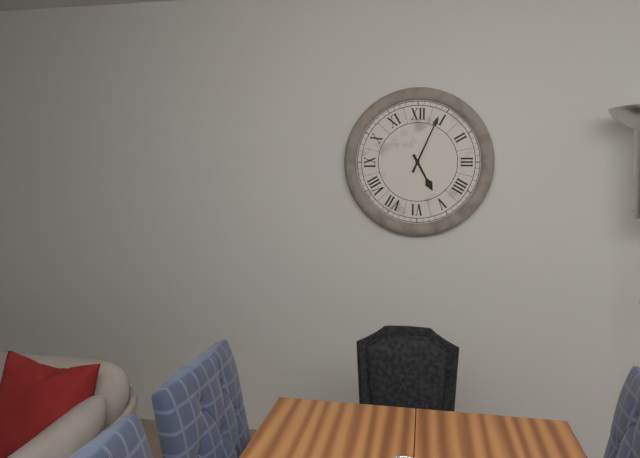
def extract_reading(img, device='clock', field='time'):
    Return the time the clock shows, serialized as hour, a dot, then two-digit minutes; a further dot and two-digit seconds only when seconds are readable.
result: 5.04
